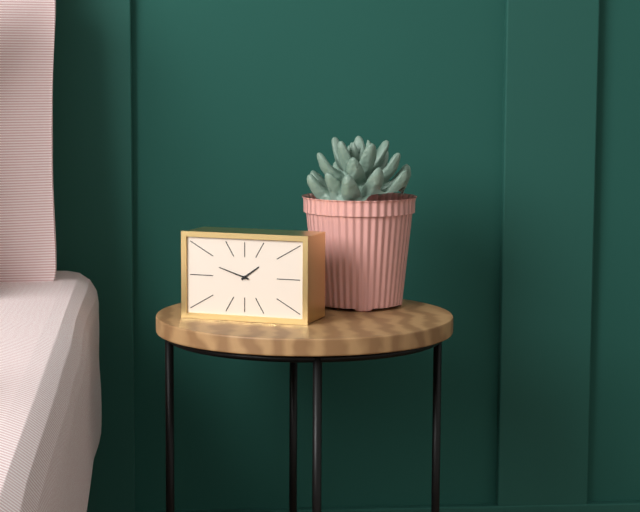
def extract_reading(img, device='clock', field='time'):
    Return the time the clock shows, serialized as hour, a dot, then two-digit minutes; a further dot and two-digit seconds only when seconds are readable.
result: 1.48
